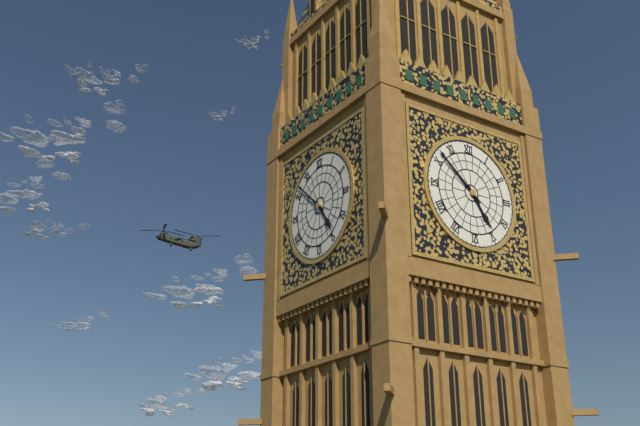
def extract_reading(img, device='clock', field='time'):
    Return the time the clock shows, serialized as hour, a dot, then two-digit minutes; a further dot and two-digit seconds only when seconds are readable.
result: 4.52
